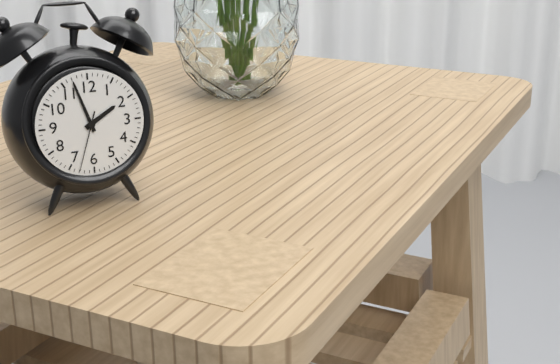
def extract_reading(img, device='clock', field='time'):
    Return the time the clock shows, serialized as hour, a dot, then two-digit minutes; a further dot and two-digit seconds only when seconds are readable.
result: 1.57.33
